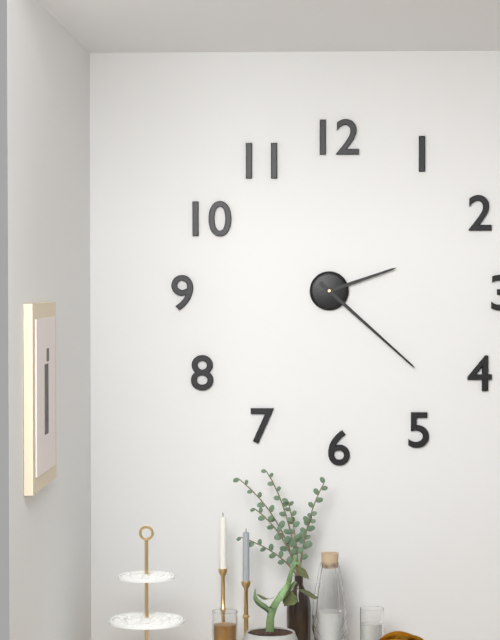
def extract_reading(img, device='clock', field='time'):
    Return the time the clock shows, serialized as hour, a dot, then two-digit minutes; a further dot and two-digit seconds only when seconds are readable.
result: 2.22
